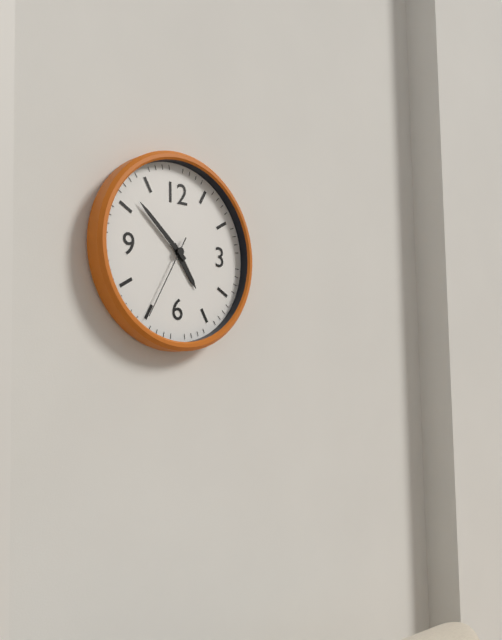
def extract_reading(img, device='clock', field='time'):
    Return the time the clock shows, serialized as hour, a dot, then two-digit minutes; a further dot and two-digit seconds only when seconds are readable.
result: 4.52.35
